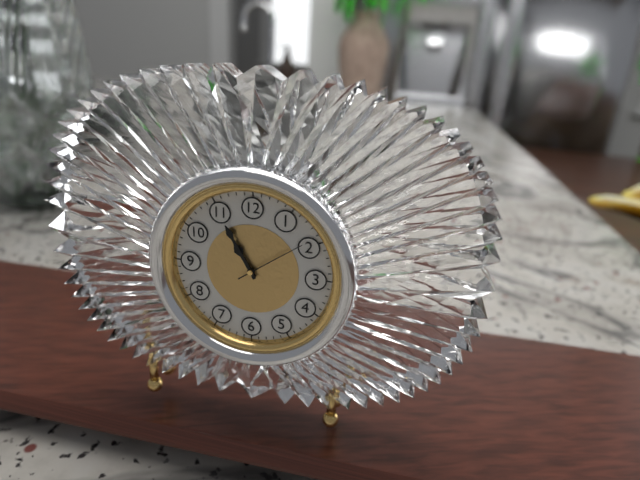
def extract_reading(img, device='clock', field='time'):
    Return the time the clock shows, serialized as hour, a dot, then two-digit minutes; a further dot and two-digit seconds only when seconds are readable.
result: 10.55.09
